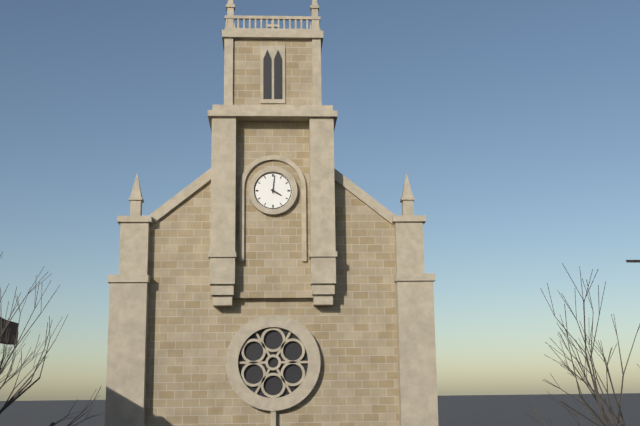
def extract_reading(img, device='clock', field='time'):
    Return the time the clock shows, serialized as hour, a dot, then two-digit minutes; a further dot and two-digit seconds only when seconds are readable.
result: 4.01
